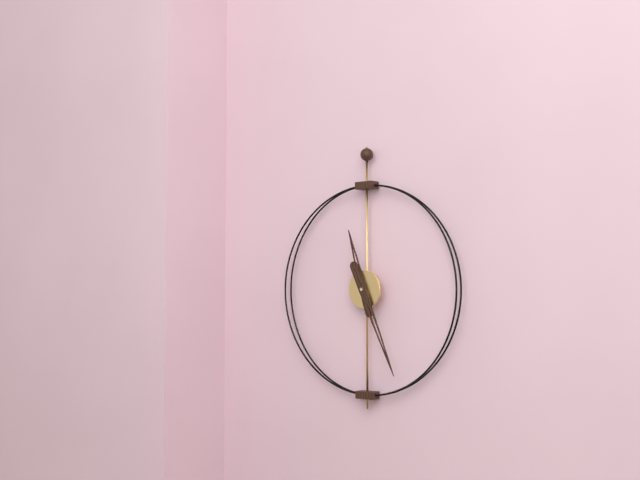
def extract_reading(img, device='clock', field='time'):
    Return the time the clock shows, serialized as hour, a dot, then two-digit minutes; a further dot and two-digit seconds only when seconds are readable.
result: 11.26
